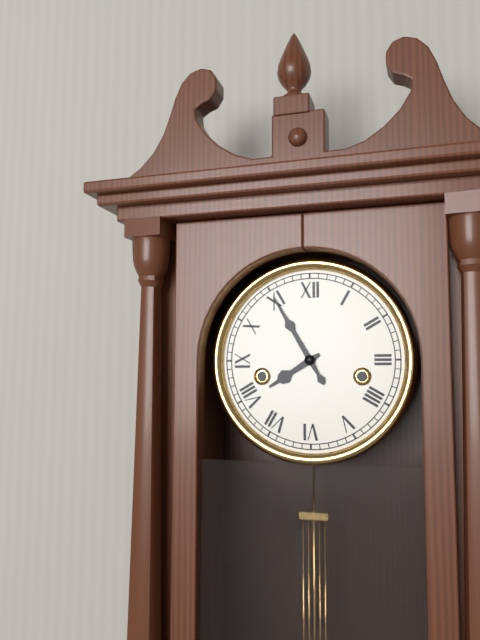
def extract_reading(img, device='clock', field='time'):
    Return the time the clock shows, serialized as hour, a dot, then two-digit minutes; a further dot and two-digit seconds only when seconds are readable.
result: 7.55
